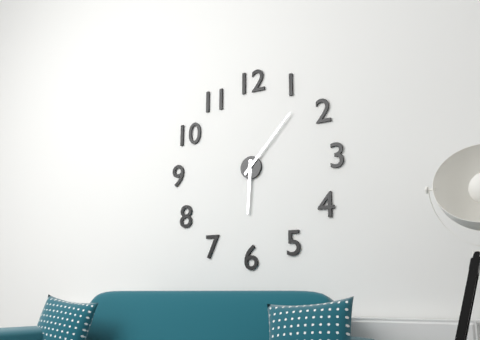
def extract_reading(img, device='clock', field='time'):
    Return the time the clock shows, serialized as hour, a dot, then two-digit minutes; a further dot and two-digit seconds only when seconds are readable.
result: 6.07
